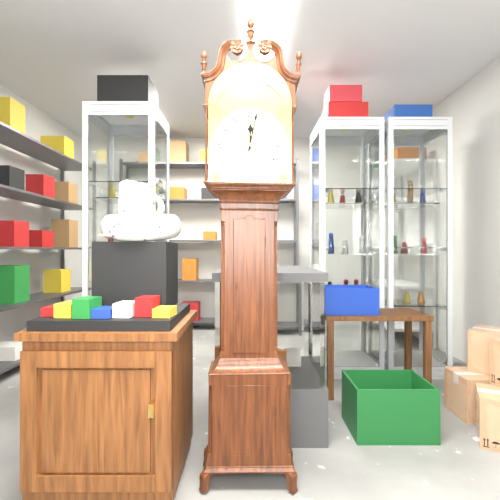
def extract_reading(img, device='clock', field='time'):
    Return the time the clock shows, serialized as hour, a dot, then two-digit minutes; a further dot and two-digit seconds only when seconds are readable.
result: 12.02
